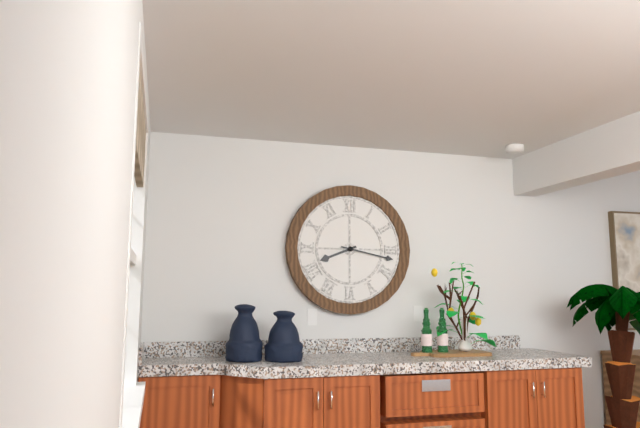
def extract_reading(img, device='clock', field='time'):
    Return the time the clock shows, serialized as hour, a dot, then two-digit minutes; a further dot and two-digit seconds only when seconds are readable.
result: 8.17
